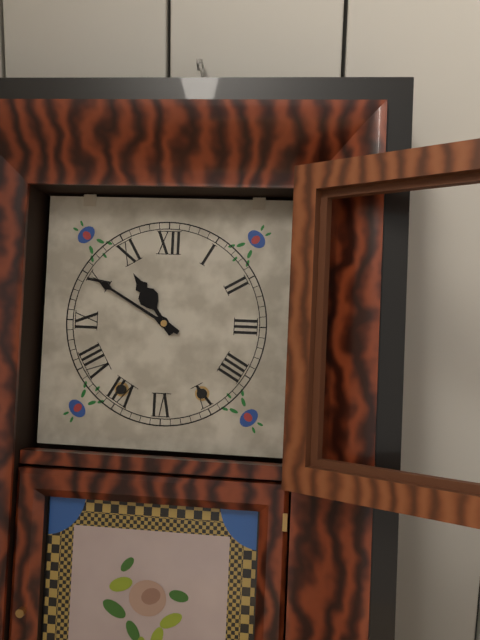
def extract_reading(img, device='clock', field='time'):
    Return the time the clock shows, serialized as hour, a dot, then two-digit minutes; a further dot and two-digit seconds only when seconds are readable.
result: 10.50
